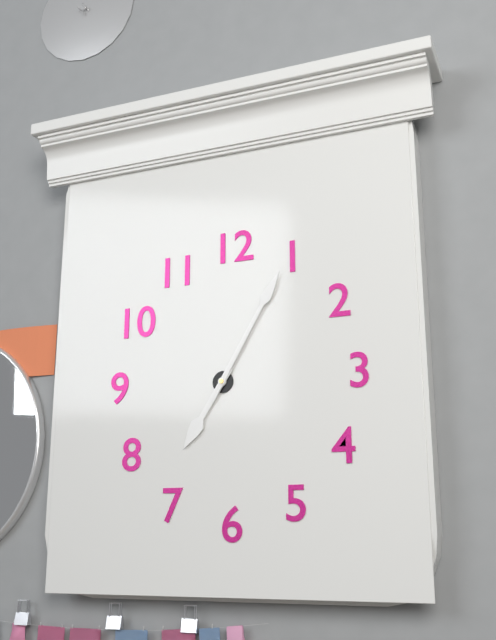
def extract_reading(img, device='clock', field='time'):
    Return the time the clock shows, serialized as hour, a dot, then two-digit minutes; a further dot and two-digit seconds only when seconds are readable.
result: 7.05
